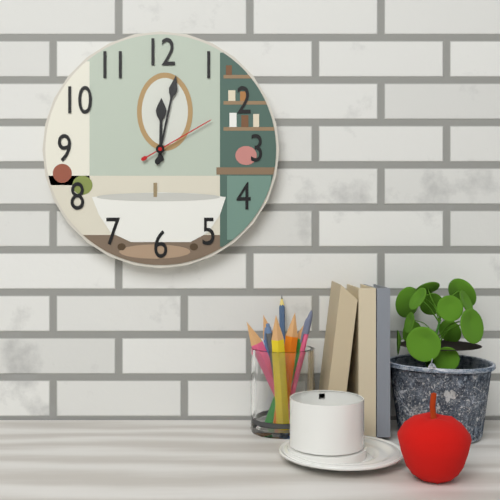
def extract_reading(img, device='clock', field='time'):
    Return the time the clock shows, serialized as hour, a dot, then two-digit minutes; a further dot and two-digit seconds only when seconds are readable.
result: 12.02.10
